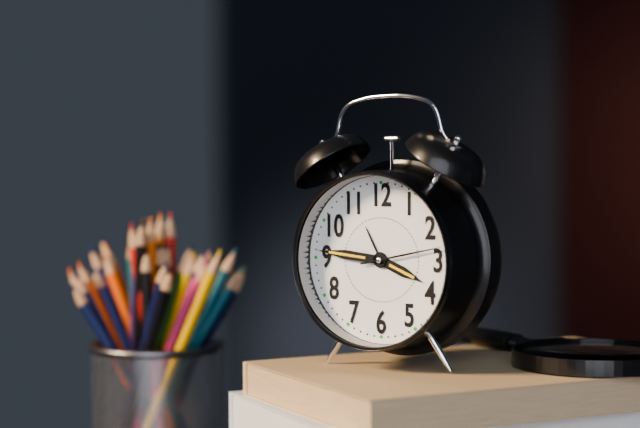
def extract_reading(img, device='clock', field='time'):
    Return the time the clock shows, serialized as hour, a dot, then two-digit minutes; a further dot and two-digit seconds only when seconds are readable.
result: 3.46.13
